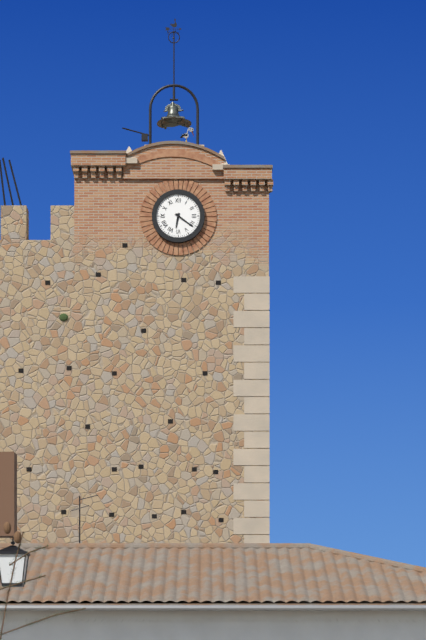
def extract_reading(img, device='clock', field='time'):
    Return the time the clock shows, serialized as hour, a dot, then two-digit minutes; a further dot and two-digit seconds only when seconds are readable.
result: 6.21
